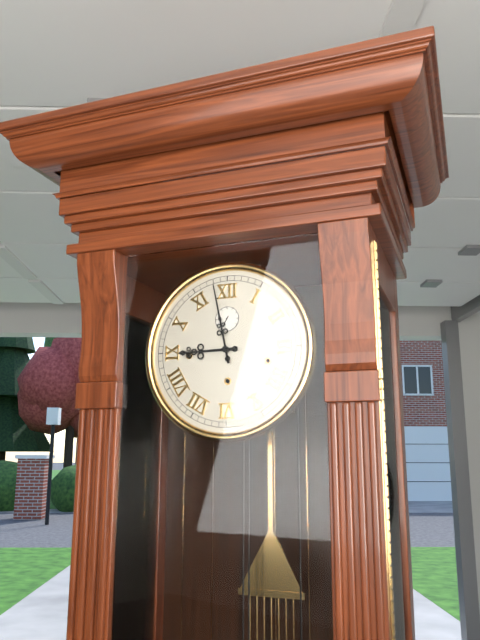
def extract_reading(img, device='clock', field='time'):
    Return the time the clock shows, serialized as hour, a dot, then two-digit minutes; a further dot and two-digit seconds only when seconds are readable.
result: 8.58
